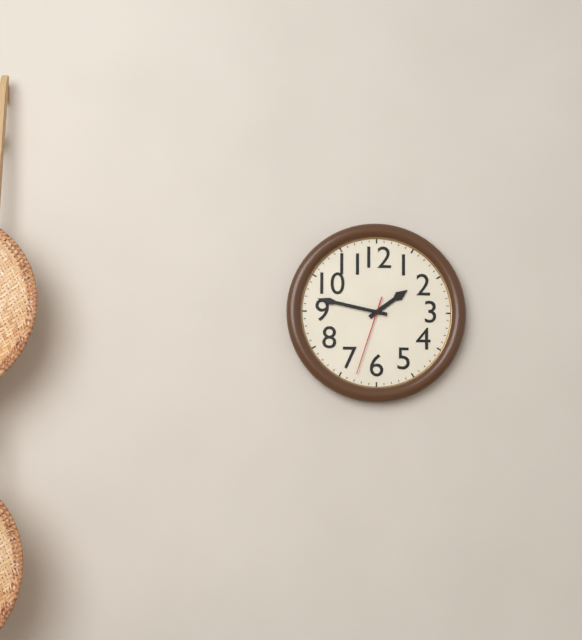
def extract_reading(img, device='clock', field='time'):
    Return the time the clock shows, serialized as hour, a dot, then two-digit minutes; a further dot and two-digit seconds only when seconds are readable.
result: 1.47.33
